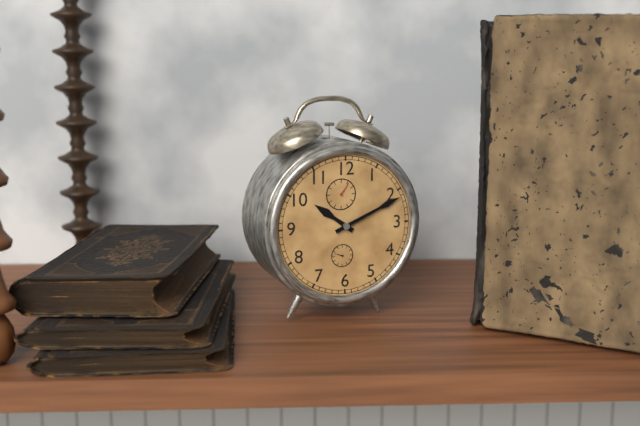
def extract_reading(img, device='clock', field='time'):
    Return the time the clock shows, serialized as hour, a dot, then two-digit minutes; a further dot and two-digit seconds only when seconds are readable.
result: 10.11
